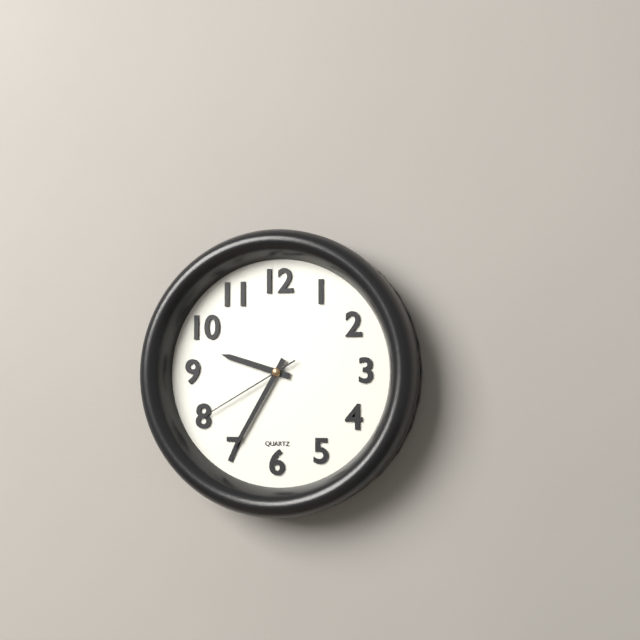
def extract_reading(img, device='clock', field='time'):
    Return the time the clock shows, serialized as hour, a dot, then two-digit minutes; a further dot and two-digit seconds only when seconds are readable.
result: 9.35.40
